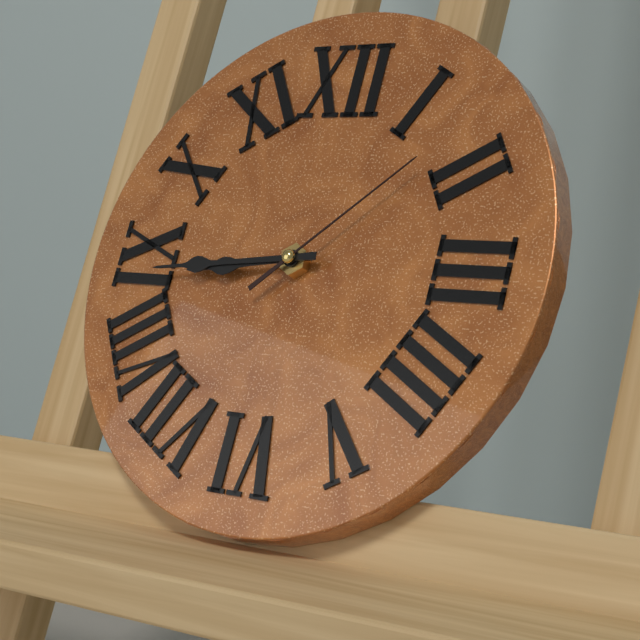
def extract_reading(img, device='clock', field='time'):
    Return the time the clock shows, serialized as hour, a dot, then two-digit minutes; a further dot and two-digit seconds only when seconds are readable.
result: 8.44.08
